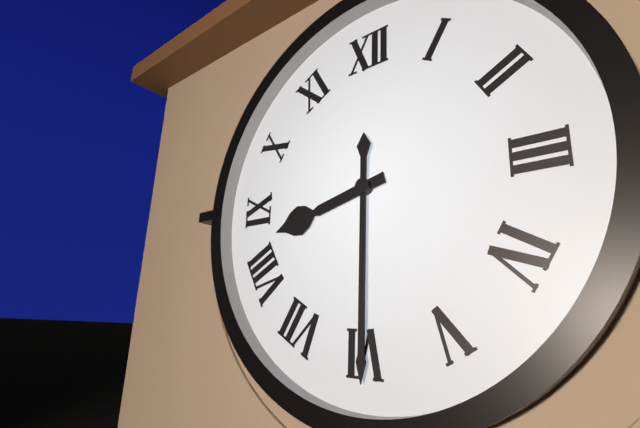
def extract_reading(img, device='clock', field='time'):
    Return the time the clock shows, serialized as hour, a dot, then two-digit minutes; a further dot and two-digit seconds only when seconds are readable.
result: 8.30
